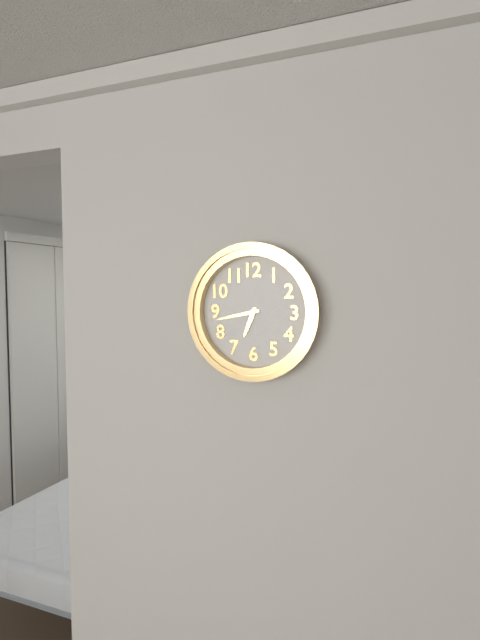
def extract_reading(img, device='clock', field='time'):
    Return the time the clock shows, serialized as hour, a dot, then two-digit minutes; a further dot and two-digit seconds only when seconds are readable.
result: 6.43
